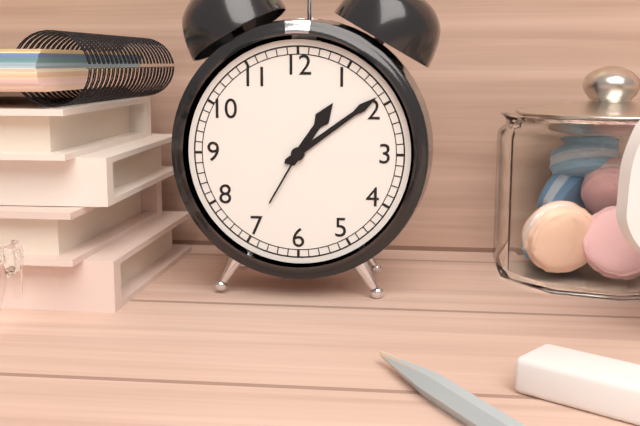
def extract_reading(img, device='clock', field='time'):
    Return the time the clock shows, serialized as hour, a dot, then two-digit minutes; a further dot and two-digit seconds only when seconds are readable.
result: 1.09.35
